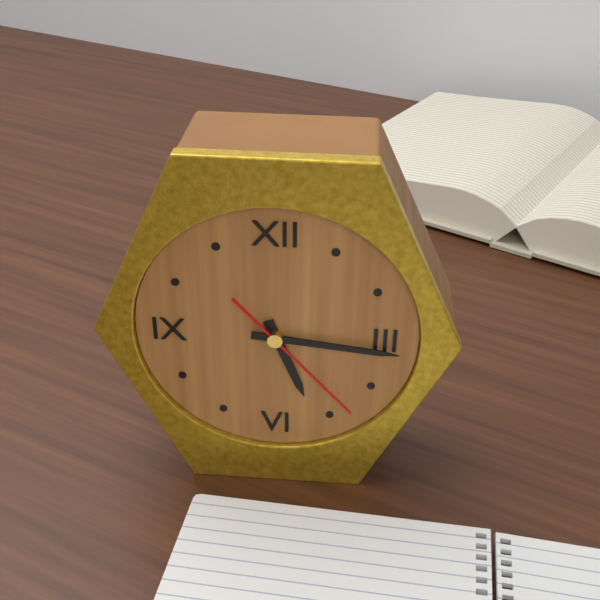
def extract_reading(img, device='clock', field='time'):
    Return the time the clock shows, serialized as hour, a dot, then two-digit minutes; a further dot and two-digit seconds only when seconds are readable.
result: 5.16.23
